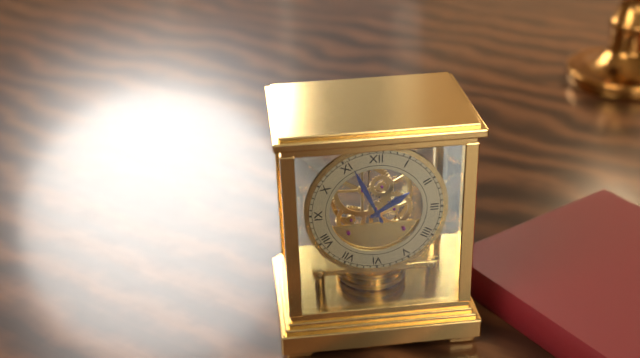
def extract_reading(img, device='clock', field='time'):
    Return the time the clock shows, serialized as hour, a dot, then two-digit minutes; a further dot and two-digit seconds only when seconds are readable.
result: 1.56
